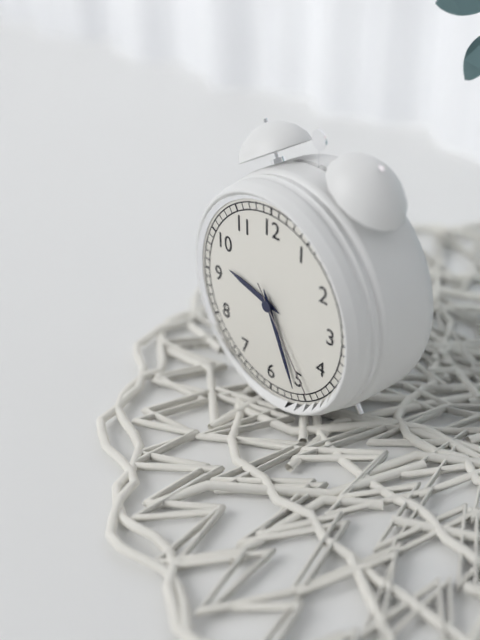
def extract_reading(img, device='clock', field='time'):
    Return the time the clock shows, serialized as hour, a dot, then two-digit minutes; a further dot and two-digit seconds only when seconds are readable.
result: 9.26.24
